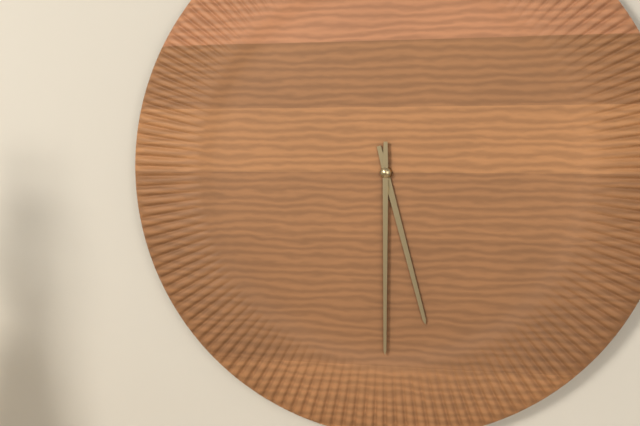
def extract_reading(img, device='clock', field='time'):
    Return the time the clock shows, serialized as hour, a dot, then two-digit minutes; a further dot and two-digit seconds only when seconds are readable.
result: 5.30
